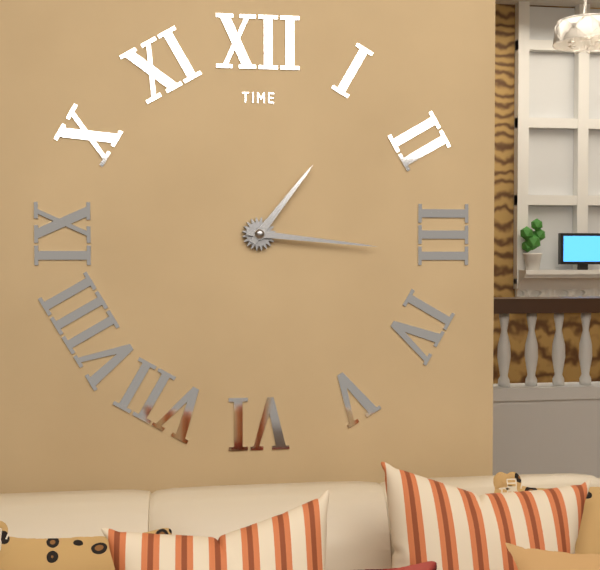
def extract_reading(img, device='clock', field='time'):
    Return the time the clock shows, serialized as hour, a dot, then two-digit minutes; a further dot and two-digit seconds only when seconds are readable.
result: 1.16
